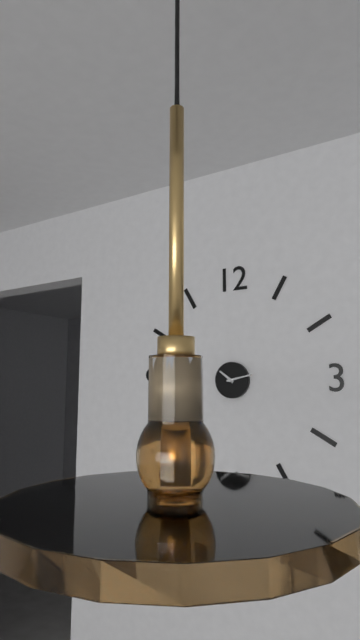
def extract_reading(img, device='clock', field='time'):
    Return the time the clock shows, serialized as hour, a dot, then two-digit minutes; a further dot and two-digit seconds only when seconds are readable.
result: 10.13
